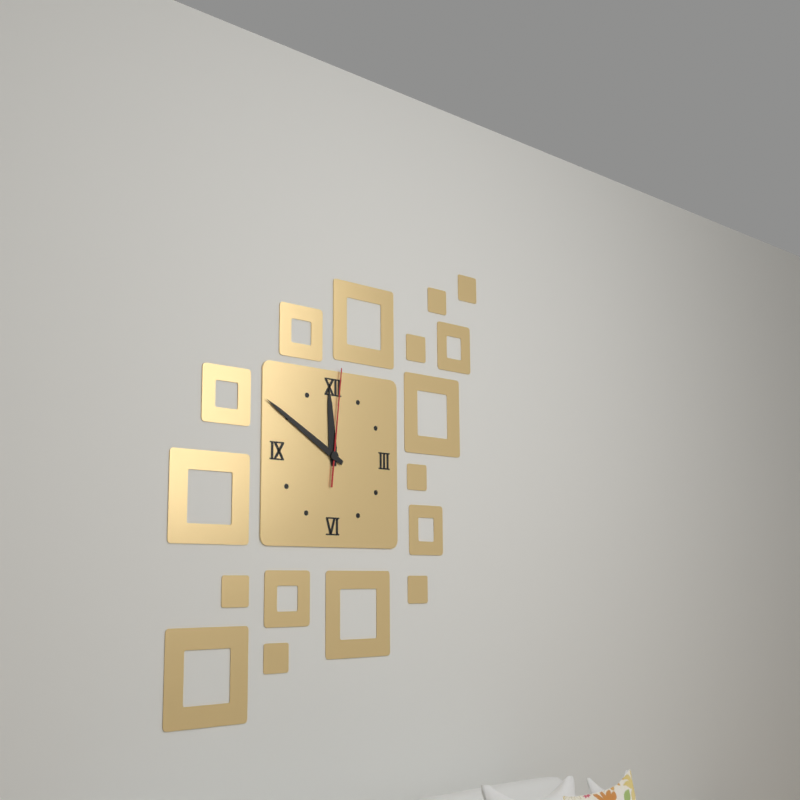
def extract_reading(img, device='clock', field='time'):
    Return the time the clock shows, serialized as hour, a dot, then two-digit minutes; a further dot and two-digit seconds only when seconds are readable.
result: 11.50.01
